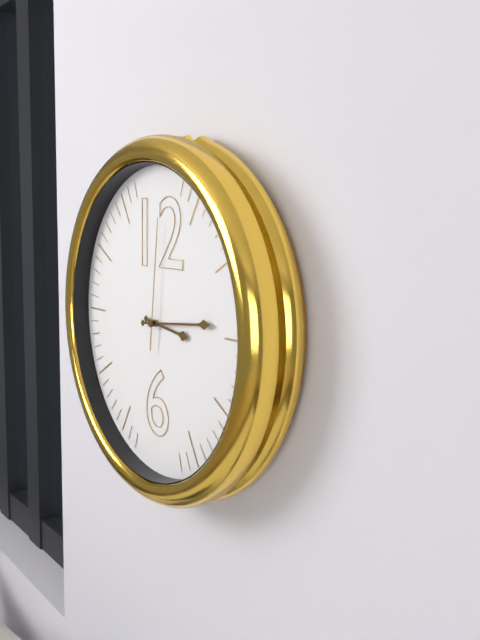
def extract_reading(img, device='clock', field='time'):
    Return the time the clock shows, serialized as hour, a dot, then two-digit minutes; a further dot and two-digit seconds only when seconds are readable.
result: 3.14.01
